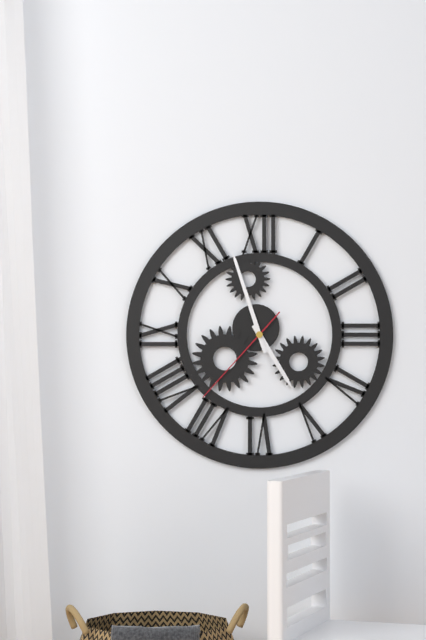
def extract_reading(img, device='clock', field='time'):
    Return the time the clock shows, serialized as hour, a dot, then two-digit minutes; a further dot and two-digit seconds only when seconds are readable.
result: 4.57.37
